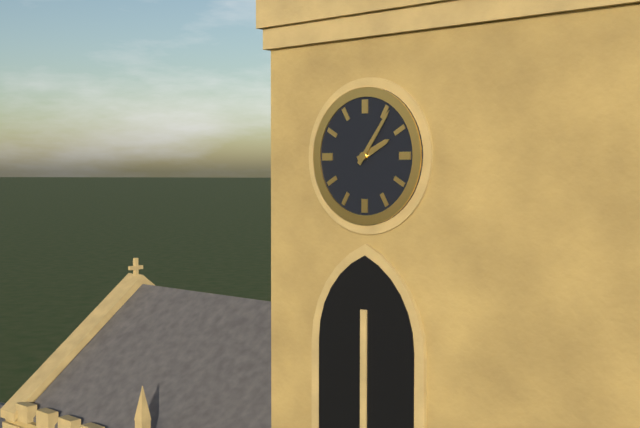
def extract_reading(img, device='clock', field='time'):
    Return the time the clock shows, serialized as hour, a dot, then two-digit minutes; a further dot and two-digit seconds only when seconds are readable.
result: 2.06
